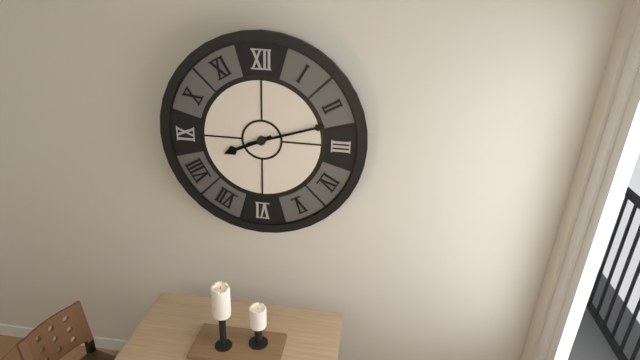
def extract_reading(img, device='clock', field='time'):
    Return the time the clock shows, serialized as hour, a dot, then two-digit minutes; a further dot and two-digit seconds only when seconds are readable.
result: 8.12
